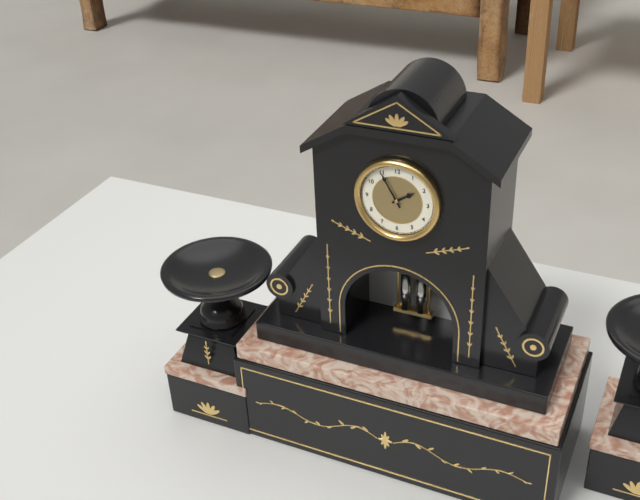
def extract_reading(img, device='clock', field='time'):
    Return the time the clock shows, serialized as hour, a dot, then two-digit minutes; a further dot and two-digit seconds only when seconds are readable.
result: 1.55
